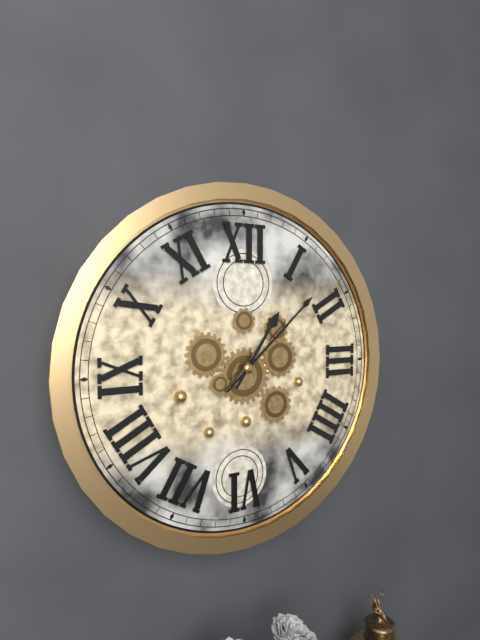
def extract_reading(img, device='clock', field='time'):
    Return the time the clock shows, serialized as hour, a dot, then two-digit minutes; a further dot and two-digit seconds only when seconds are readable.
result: 1.08
